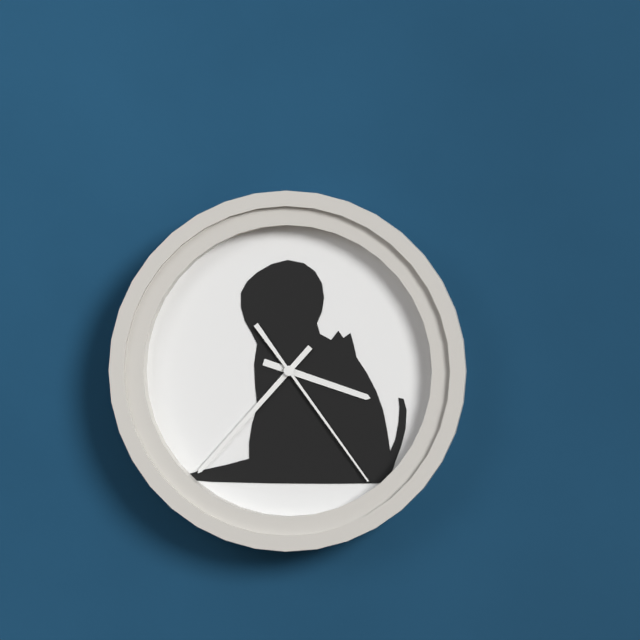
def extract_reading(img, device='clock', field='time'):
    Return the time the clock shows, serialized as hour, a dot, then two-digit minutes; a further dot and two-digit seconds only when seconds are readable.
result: 3.37.24
